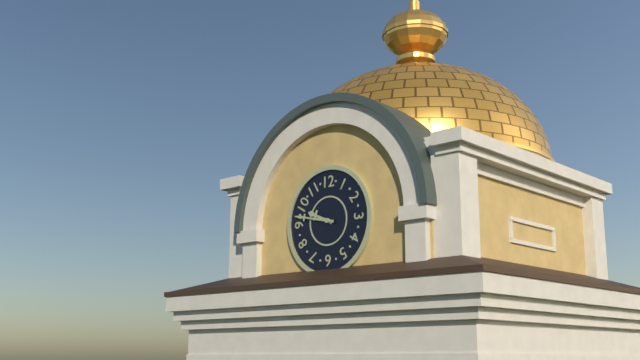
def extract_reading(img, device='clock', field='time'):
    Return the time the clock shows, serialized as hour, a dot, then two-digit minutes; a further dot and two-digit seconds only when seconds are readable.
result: 9.47
